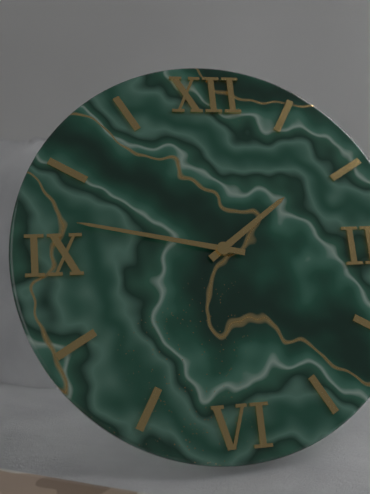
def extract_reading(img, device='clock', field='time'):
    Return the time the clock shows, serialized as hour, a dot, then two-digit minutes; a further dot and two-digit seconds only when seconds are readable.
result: 1.47
